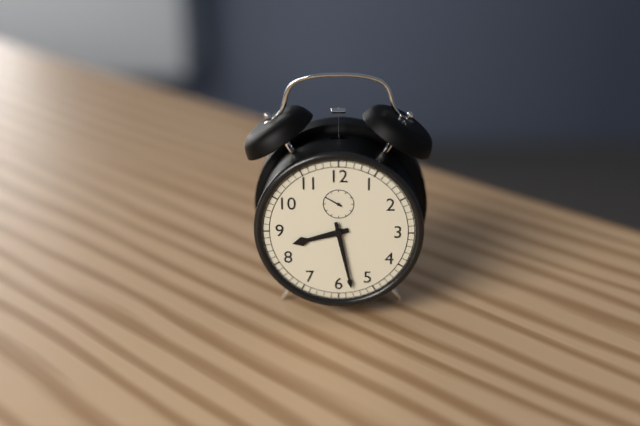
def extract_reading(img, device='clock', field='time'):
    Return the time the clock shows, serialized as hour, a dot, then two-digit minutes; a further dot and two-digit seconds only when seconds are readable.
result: 8.28
